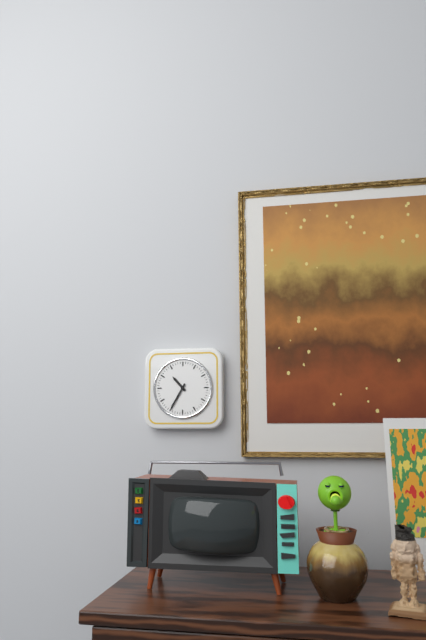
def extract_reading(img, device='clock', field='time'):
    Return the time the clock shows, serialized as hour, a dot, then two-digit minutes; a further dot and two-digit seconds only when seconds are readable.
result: 10.35
